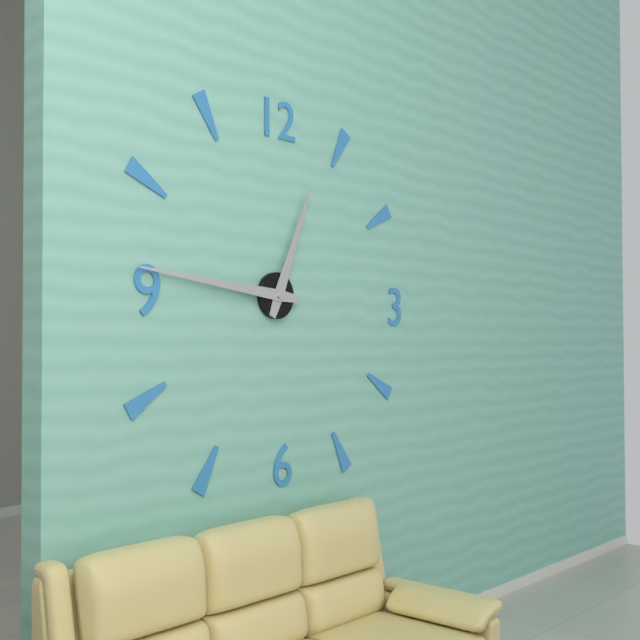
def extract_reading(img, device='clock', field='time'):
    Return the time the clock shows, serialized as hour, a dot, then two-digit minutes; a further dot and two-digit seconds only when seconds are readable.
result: 12.46
